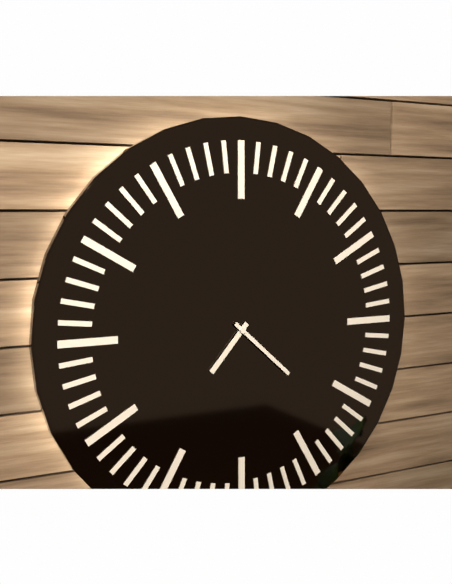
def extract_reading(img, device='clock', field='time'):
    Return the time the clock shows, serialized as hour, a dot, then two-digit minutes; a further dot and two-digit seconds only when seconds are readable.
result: 7.22
